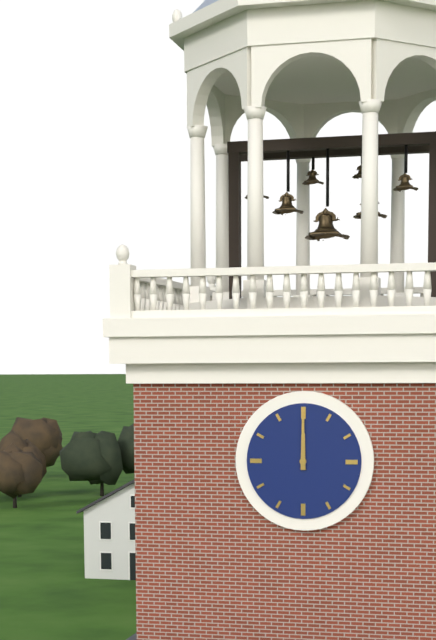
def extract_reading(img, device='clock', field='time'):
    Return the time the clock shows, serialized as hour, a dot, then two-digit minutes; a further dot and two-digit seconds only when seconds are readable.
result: 12.00
